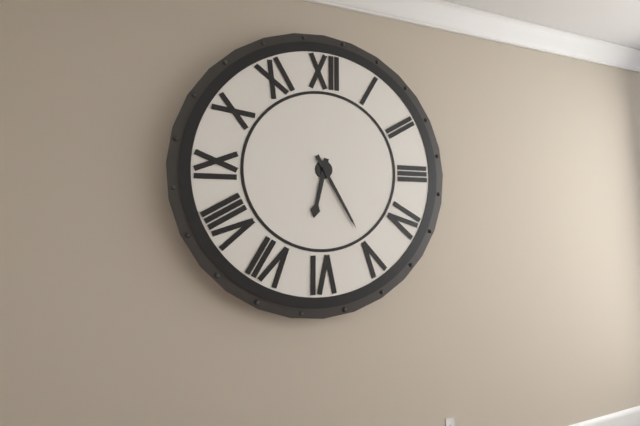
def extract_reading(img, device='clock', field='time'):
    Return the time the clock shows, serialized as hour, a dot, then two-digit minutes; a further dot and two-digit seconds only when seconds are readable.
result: 6.25
